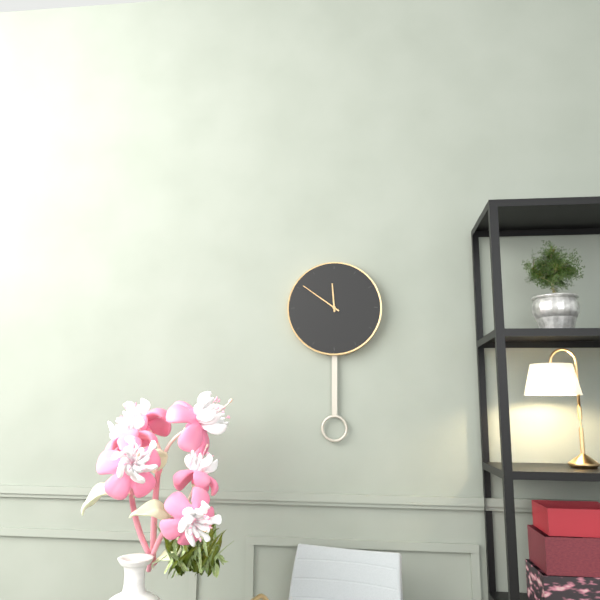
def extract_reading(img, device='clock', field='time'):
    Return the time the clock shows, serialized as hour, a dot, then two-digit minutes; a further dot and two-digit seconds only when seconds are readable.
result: 11.51
